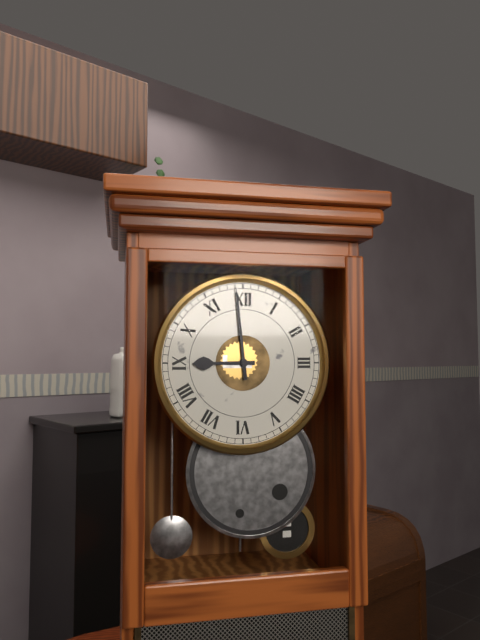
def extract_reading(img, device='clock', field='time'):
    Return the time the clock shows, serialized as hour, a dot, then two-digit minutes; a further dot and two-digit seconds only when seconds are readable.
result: 8.59
